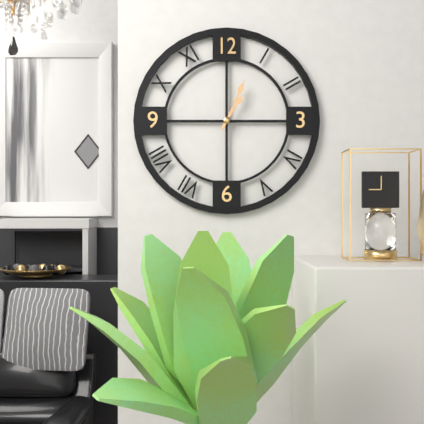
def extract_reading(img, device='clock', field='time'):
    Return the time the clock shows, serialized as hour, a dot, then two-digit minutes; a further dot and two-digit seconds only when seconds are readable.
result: 1.04
